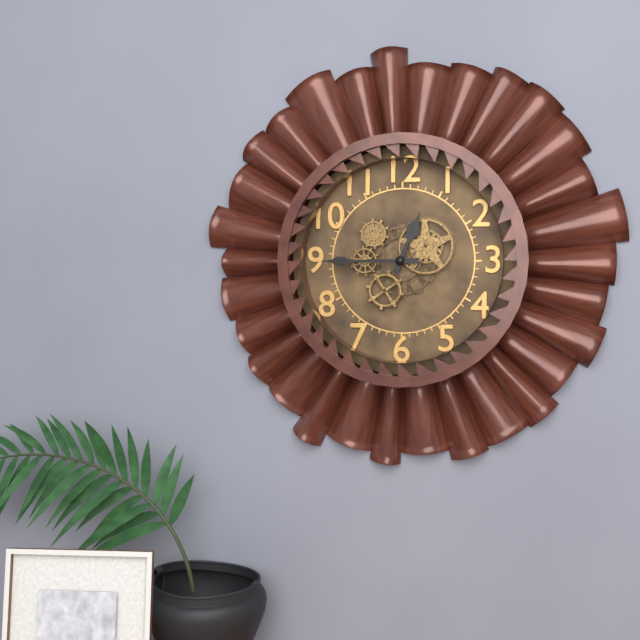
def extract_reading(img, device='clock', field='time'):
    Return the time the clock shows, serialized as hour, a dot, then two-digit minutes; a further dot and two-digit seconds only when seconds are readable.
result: 12.45
